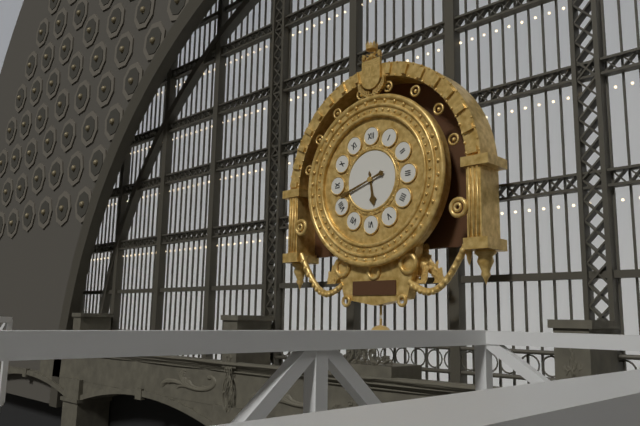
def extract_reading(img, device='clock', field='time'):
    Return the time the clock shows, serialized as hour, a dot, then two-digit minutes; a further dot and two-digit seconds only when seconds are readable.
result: 5.42
